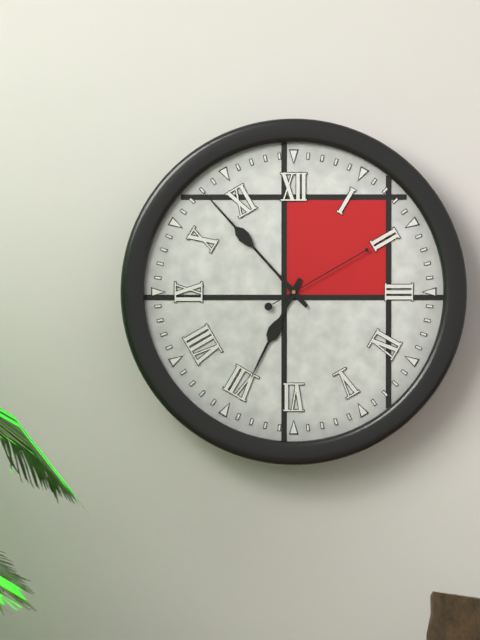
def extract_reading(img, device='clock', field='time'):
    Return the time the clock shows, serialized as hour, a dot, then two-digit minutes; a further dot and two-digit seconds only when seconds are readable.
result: 6.53.10
